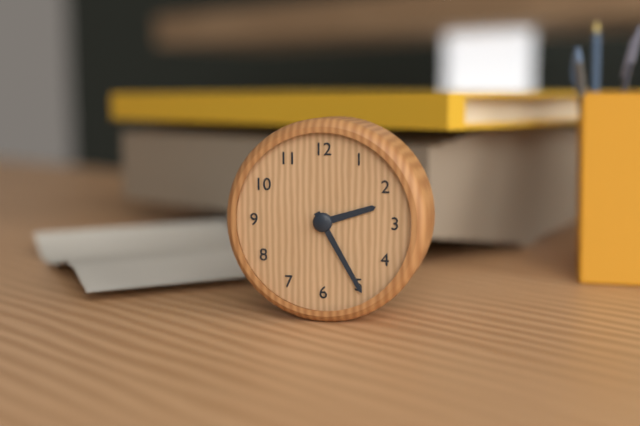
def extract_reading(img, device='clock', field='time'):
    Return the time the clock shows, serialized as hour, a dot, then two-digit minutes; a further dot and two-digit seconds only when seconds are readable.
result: 2.25
